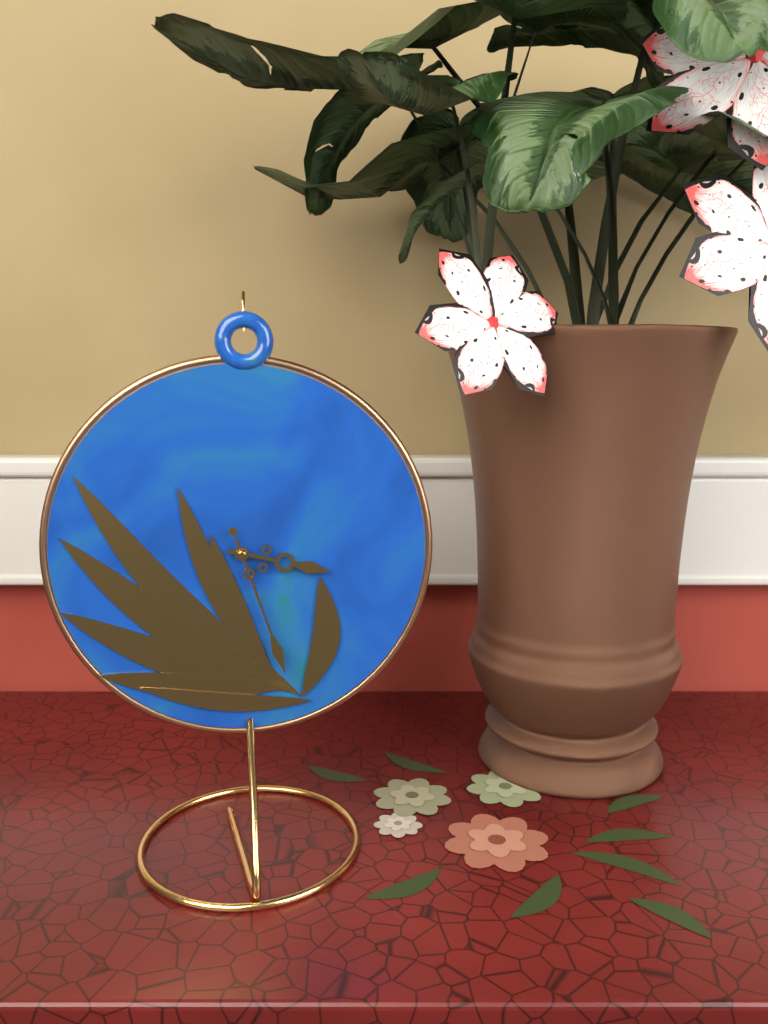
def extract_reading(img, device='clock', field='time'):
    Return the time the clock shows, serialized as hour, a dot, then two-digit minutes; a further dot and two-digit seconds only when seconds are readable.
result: 3.27.27
